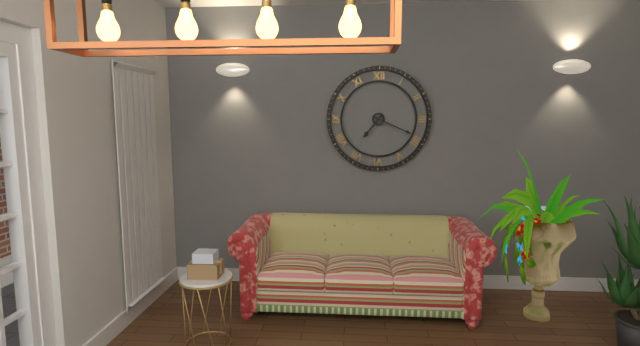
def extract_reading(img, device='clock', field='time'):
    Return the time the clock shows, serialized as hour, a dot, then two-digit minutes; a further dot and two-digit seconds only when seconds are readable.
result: 7.19
